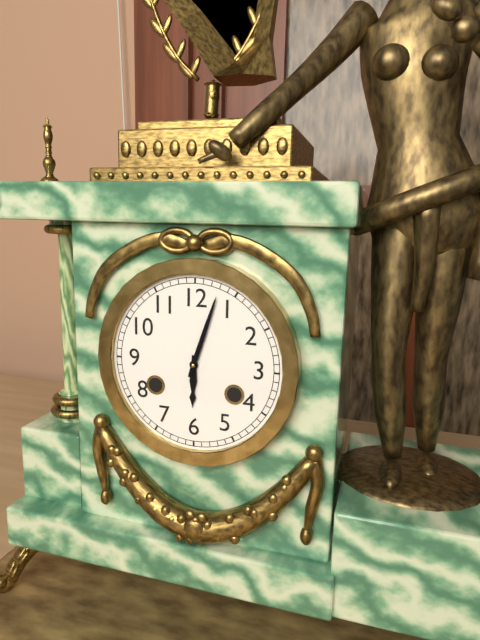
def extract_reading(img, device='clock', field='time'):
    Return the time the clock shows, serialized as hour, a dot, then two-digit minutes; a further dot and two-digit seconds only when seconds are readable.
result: 6.03
